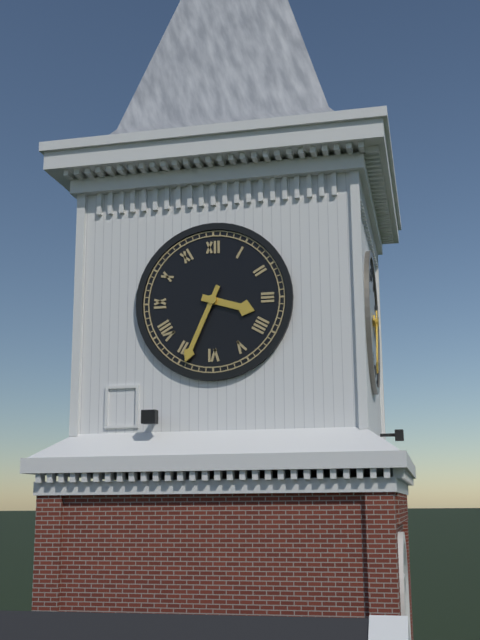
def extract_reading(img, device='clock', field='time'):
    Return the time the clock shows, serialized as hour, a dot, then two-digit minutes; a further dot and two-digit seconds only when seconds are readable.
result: 3.34
